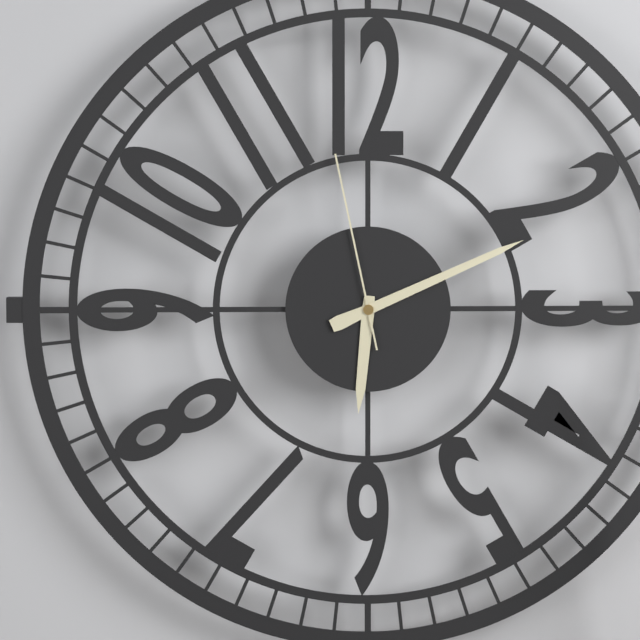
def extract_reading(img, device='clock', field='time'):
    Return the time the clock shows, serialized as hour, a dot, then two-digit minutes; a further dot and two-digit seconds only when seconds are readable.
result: 6.11.58
